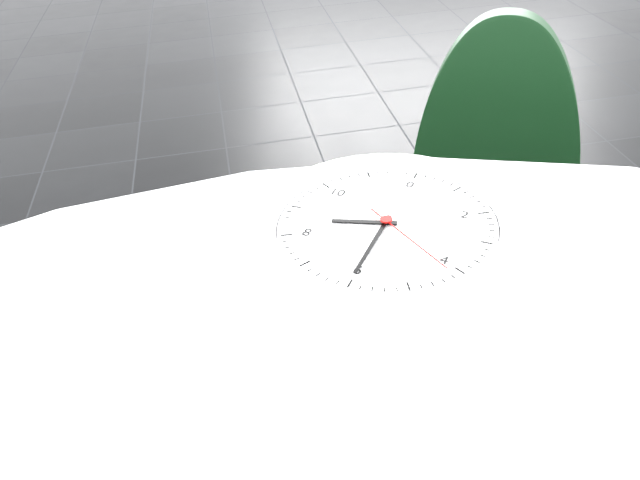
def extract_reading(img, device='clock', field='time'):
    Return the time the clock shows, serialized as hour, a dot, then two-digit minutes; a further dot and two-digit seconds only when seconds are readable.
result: 8.30.21
